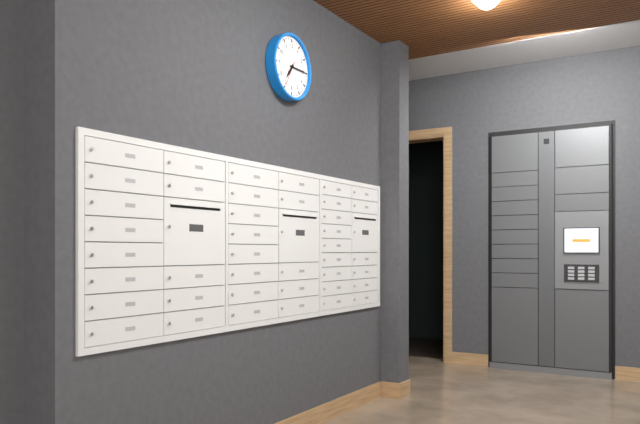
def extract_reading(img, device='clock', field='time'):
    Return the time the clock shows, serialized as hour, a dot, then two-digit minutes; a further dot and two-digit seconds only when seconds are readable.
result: 7.15
